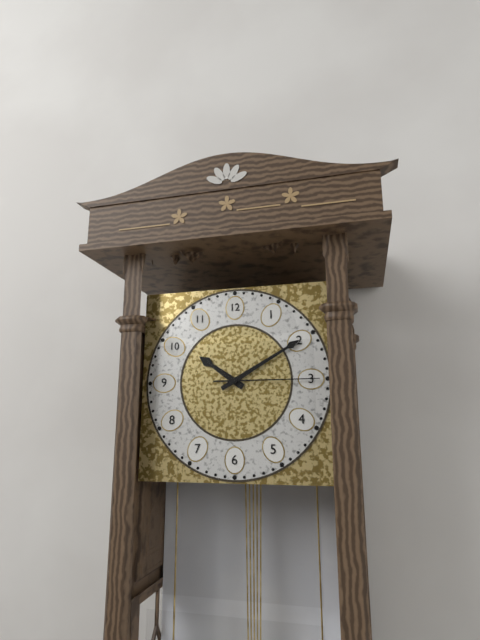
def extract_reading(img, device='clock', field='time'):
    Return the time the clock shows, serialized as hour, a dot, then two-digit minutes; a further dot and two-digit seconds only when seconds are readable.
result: 10.10.15
